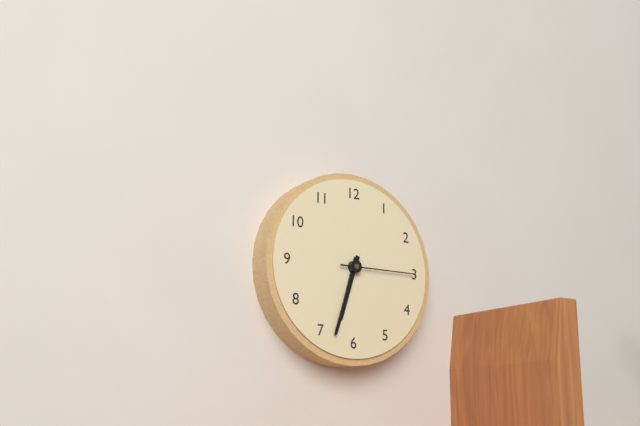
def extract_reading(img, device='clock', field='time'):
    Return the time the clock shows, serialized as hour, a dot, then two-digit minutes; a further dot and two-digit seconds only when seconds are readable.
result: 6.33.15
